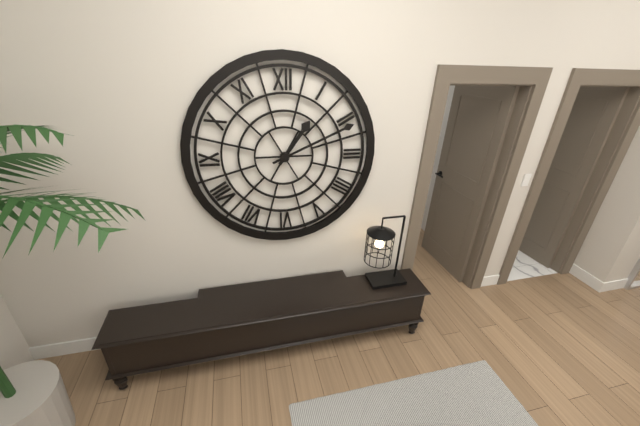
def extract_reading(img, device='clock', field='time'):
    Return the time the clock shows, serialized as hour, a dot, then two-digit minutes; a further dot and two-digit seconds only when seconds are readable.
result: 1.11
